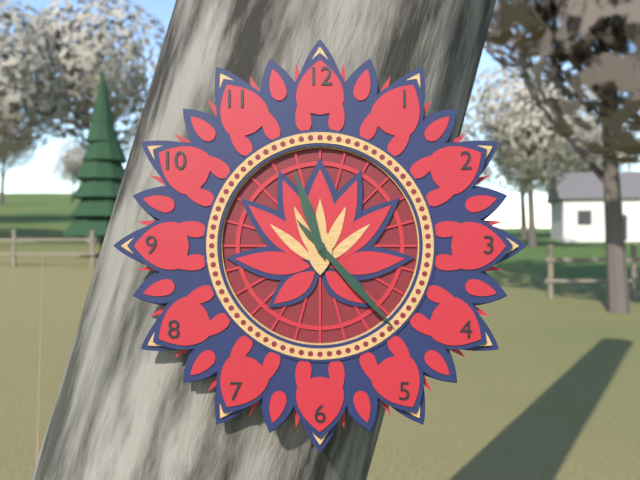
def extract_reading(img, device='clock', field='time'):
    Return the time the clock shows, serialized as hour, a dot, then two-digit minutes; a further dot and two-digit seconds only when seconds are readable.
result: 11.23
